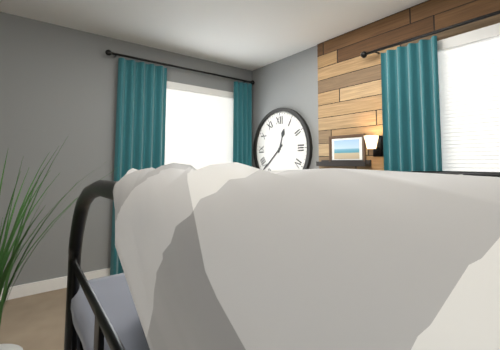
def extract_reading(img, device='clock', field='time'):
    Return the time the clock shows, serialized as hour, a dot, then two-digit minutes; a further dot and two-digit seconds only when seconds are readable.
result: 12.38
